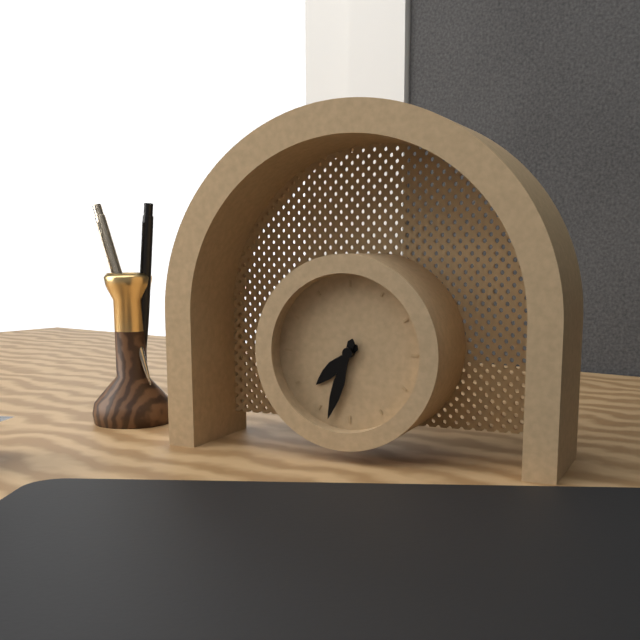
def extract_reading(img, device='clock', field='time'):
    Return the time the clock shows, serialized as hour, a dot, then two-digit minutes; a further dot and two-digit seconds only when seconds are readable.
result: 7.33
